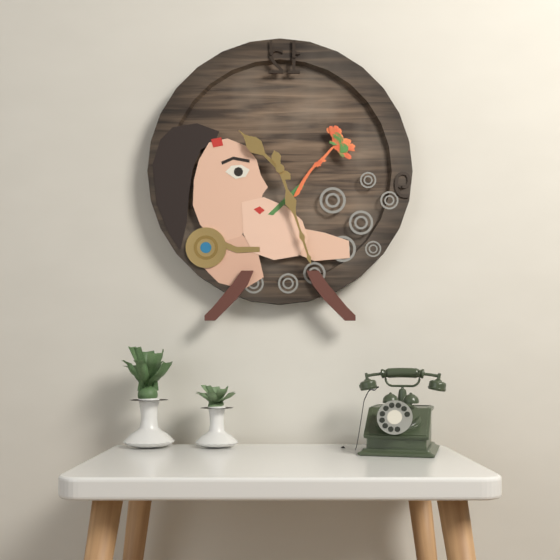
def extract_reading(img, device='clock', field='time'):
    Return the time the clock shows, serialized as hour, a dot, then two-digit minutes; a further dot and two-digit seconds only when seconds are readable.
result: 10.27
